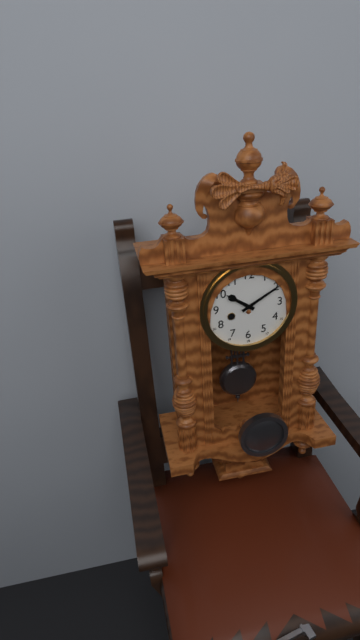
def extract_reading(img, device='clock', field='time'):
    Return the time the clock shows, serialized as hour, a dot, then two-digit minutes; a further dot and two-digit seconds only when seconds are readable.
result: 10.10
